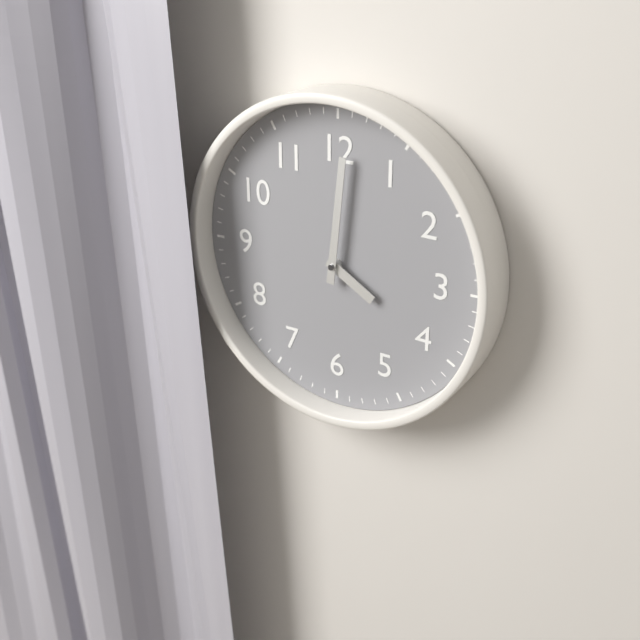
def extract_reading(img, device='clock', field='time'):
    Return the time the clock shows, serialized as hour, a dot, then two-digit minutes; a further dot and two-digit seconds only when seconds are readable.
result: 4.01
